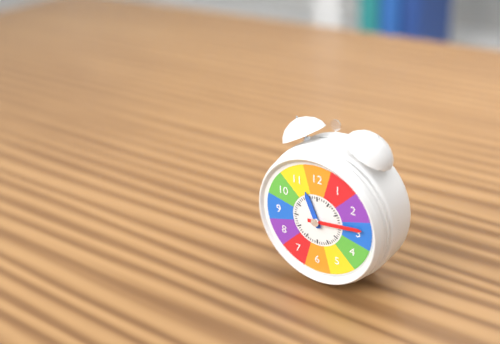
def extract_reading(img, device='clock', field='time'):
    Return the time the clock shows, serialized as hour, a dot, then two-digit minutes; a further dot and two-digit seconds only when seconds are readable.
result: 11.14
